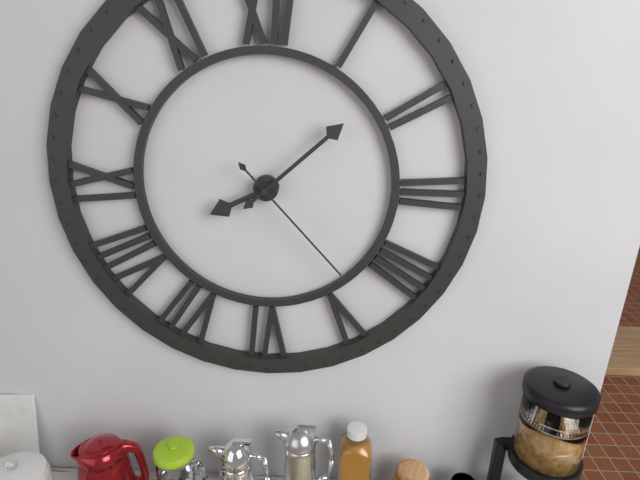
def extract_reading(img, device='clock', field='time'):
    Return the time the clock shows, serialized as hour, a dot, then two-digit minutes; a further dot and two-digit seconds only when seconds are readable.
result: 8.08.23
